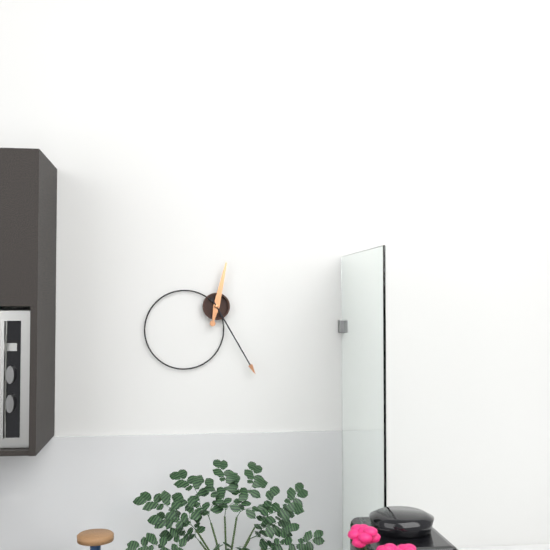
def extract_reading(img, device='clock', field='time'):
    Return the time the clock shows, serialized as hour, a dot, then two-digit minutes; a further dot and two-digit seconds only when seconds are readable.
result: 12.25
